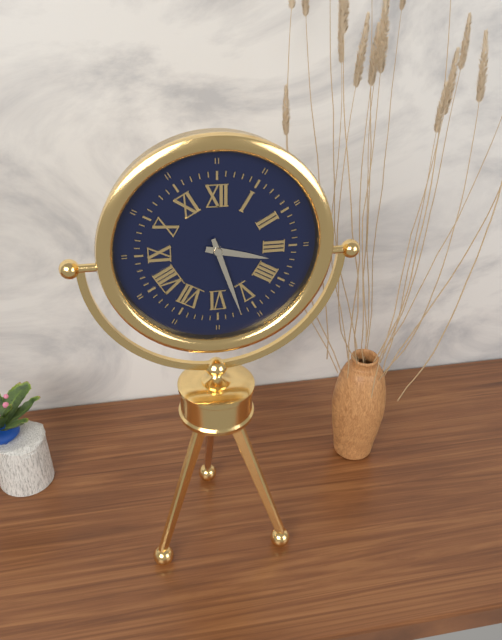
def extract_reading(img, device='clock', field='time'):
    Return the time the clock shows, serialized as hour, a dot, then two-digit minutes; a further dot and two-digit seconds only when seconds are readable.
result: 3.27
